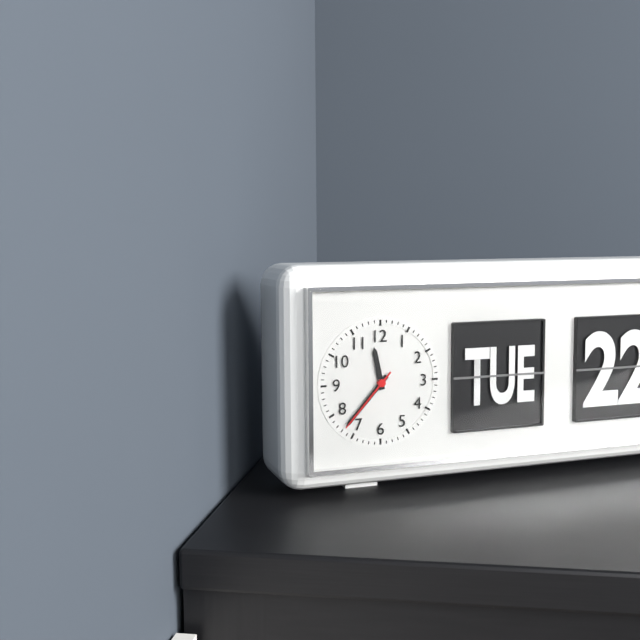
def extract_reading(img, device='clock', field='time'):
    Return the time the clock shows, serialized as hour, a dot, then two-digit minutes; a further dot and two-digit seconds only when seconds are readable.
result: 11.37.37
